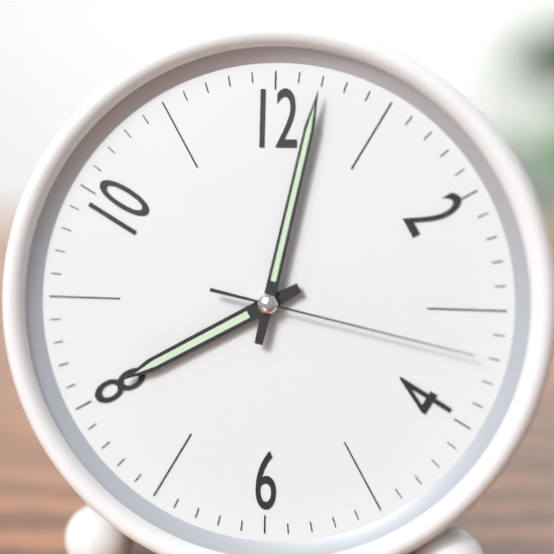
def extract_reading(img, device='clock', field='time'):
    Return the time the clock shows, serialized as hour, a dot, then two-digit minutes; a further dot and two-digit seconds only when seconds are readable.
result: 8.02.17
